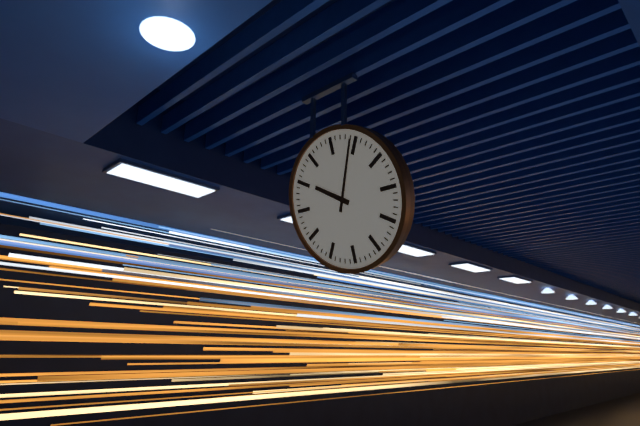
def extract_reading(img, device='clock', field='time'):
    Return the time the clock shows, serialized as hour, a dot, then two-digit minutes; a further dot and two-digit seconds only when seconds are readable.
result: 10.04
